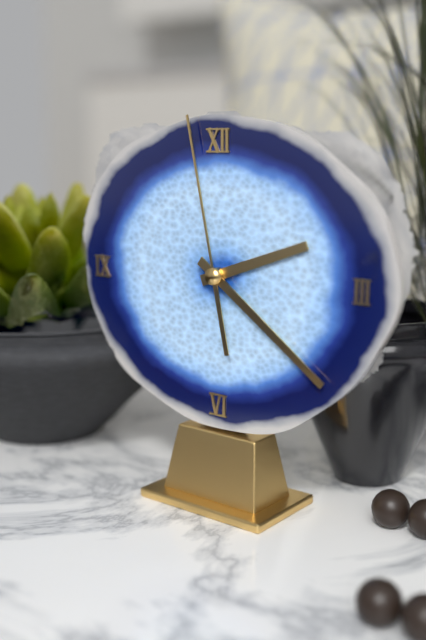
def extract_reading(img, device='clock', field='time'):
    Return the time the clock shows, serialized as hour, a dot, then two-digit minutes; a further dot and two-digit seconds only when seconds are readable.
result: 2.21.58
